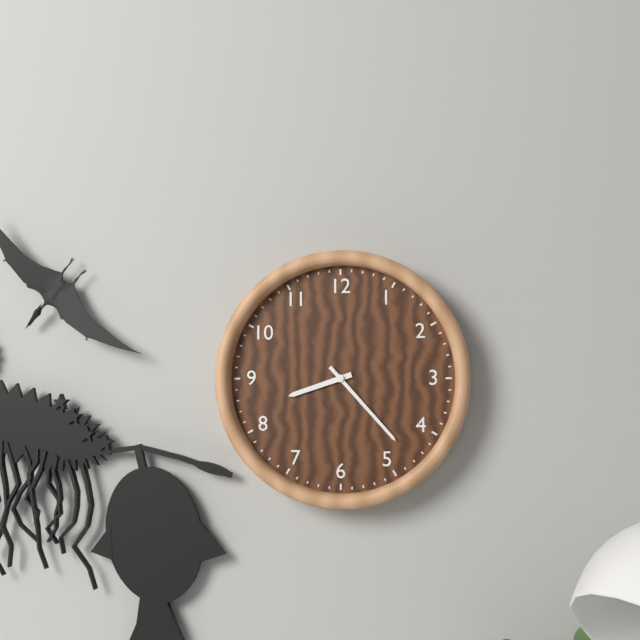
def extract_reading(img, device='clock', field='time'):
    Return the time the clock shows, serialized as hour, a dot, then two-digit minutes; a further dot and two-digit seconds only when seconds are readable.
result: 8.23
